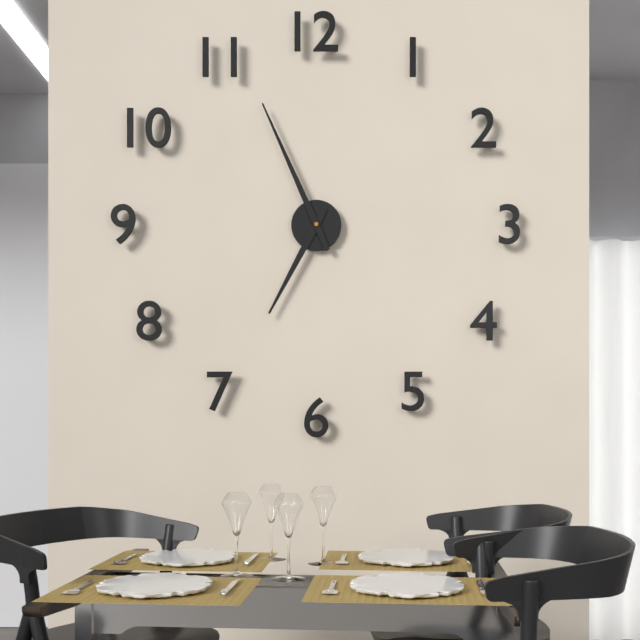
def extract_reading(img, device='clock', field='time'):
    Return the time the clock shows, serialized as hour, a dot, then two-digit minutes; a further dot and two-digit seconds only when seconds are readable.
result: 6.56
